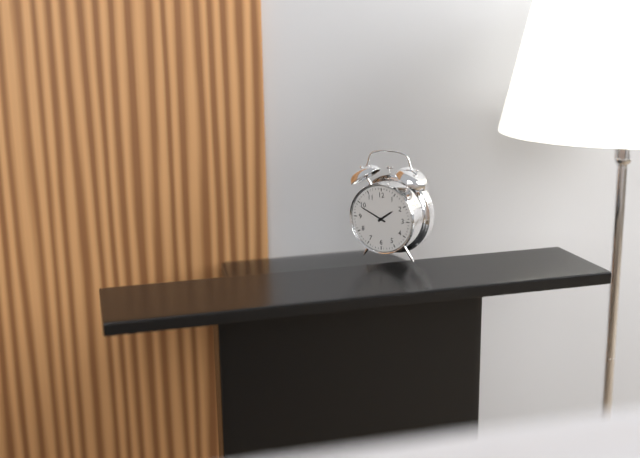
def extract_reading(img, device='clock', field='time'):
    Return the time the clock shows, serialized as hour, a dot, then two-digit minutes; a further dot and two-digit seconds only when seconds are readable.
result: 1.49
